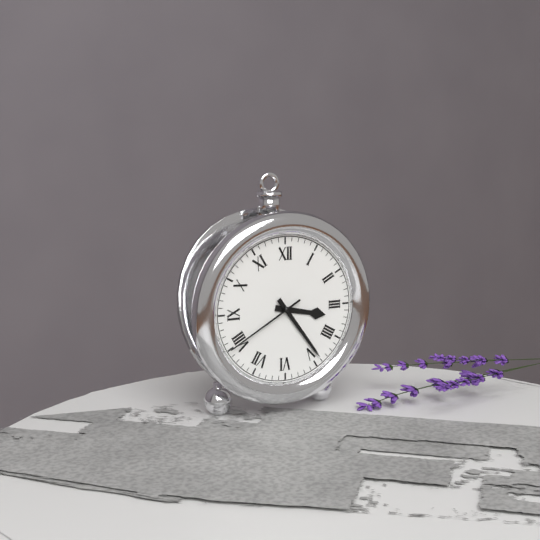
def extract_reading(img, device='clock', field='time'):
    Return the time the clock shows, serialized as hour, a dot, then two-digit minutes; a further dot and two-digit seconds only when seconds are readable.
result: 3.24.40
